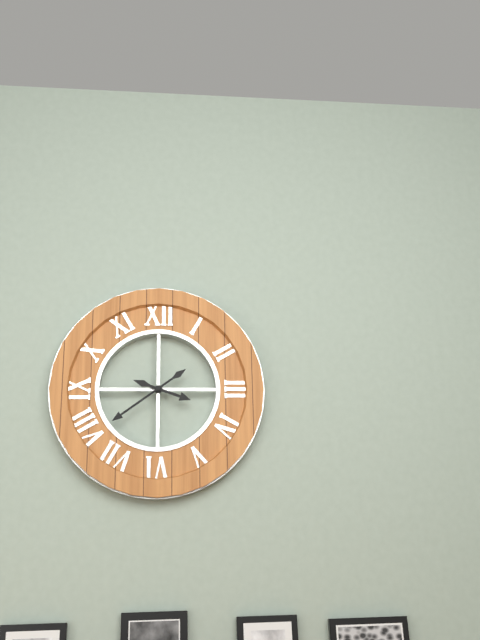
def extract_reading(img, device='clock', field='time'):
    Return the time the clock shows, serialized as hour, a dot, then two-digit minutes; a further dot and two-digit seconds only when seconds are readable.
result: 3.39
